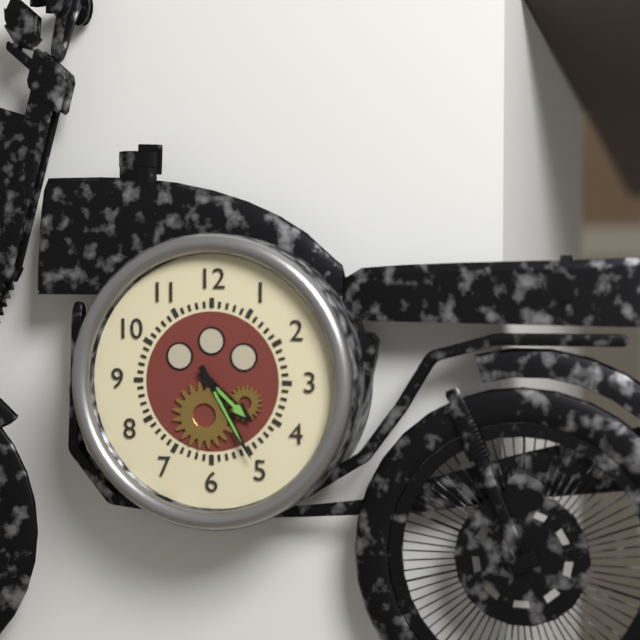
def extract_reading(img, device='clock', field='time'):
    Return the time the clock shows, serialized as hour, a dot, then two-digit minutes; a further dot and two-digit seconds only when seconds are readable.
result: 4.25
